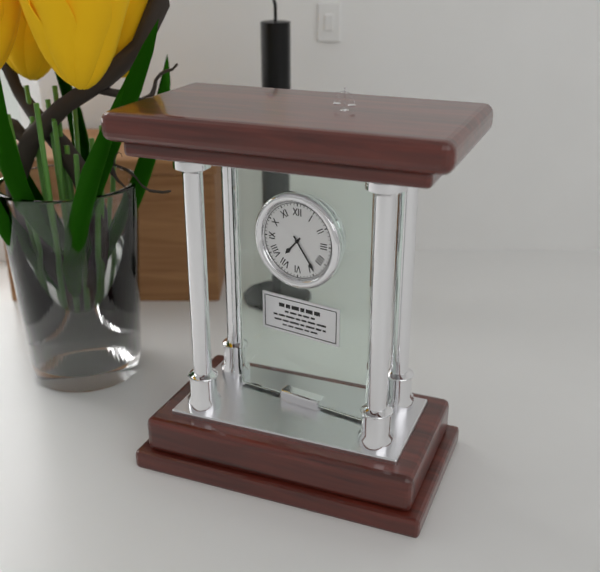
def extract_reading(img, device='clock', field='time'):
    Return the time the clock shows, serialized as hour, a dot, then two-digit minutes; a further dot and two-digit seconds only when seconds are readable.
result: 7.24
